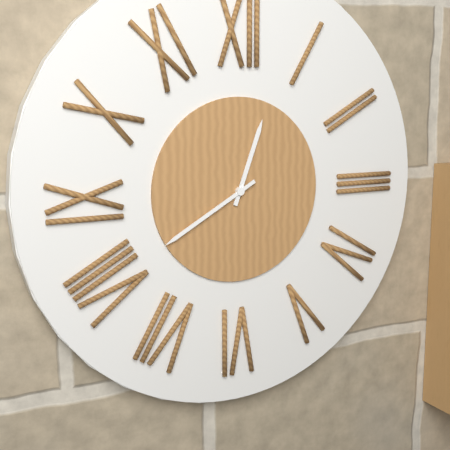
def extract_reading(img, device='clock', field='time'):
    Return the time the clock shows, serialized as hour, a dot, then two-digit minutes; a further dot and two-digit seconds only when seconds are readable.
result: 12.40
